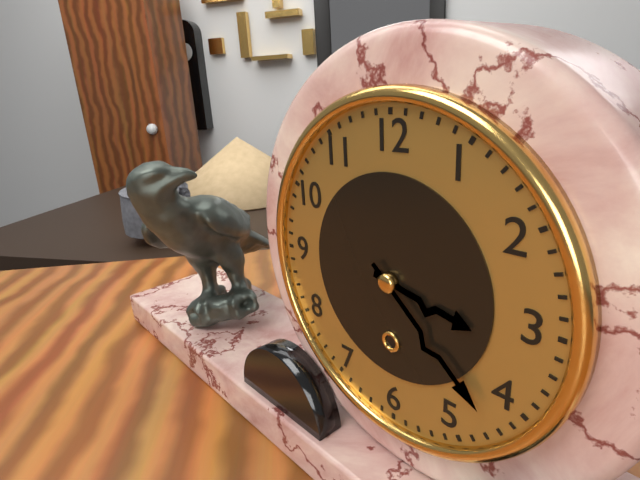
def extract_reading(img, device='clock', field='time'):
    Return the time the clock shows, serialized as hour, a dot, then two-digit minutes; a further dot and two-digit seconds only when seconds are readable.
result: 3.22
